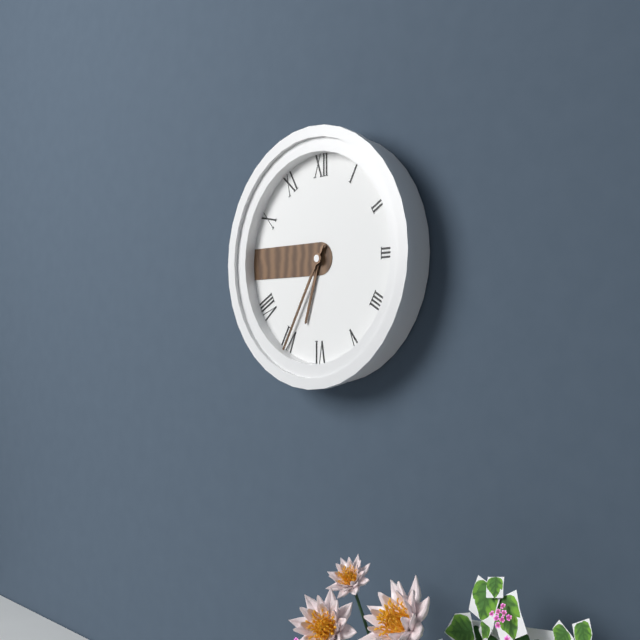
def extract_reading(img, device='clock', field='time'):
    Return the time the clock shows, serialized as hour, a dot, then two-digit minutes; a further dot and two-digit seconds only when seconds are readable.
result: 6.35
